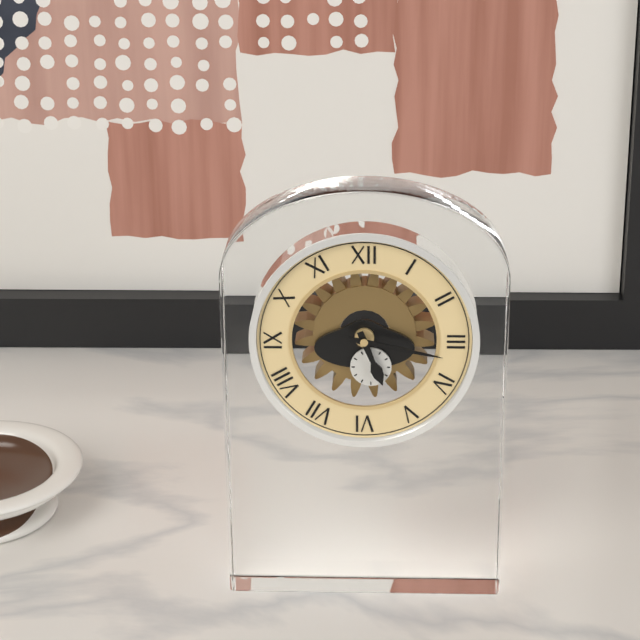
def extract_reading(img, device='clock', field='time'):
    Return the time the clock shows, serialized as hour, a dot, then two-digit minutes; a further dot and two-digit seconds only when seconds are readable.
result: 5.17
